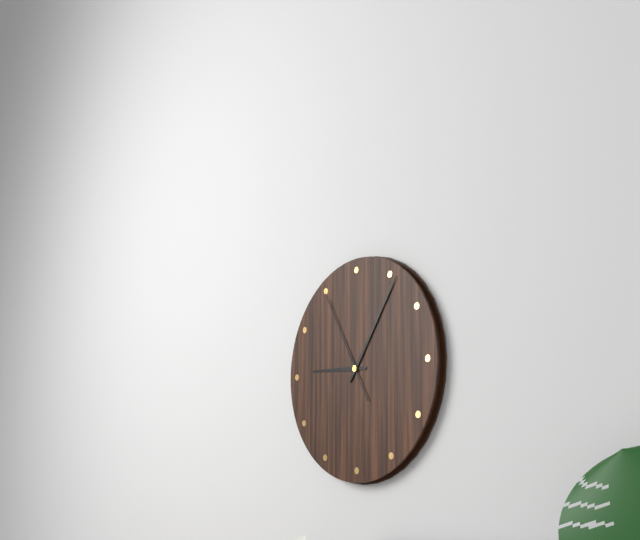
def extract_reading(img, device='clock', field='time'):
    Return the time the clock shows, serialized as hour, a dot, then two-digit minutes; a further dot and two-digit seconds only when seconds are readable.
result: 9.06.55
